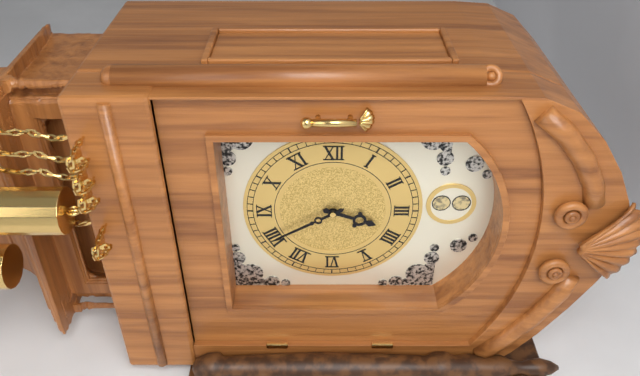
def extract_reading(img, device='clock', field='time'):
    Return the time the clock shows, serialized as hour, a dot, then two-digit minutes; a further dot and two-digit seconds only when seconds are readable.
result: 3.40
